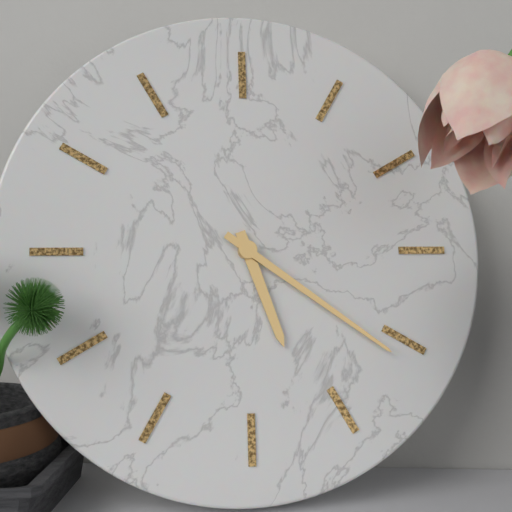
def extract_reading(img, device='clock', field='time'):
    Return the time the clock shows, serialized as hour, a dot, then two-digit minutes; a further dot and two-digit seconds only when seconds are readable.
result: 5.21
